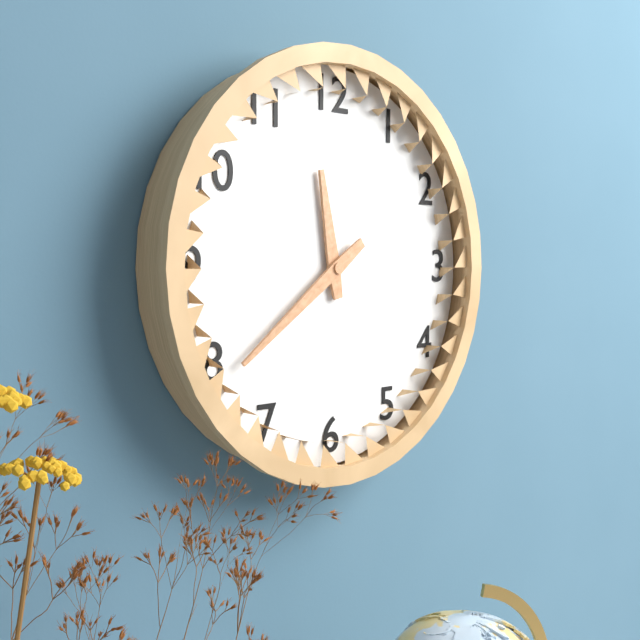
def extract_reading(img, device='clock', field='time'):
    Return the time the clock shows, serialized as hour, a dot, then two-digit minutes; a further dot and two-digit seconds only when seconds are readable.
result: 11.39
